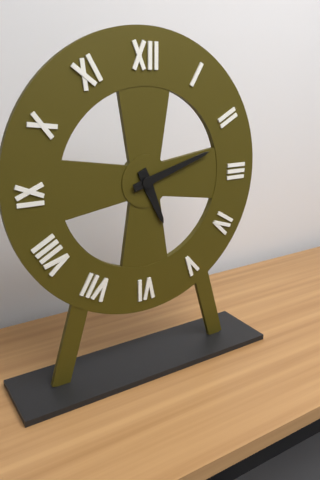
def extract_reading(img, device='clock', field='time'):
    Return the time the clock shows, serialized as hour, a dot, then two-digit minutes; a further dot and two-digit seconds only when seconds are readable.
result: 5.12
